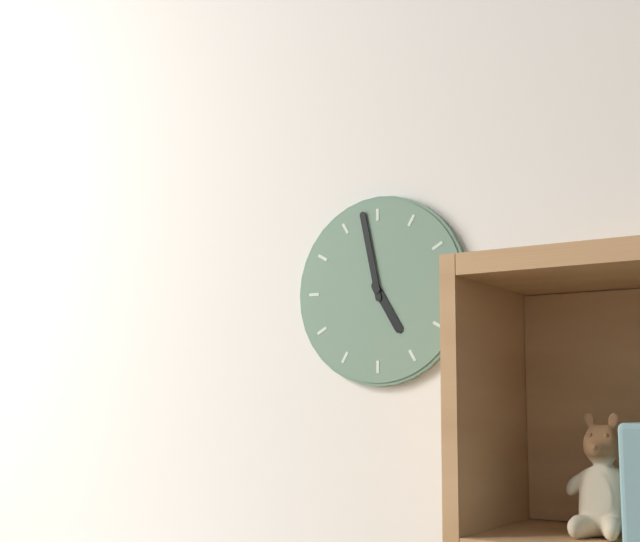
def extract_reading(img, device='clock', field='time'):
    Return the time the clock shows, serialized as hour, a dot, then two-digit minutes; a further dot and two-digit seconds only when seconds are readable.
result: 4.58
